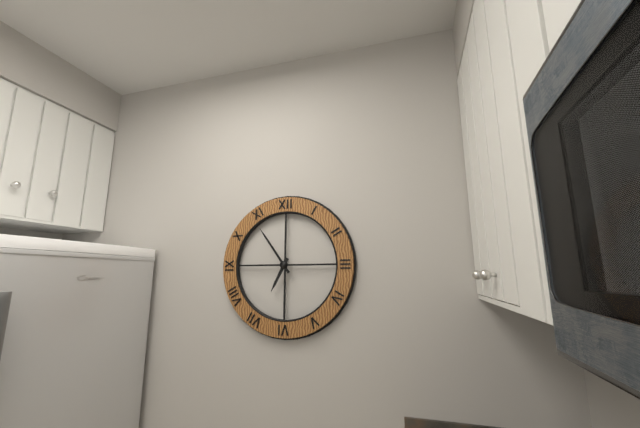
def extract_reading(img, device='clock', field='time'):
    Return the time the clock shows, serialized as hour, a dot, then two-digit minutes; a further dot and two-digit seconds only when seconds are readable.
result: 6.54
